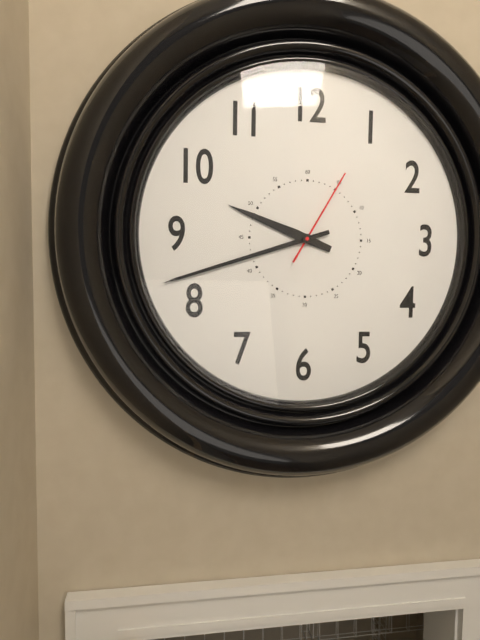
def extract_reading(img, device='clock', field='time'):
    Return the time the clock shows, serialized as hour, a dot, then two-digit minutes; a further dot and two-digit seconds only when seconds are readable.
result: 9.42.05
